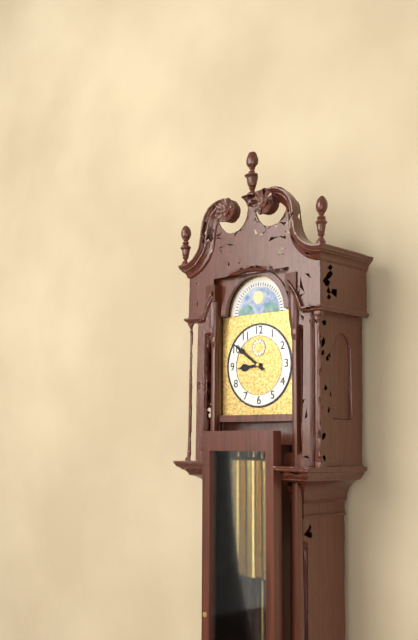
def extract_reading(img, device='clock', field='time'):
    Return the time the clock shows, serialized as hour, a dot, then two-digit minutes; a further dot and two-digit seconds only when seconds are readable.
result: 8.51
